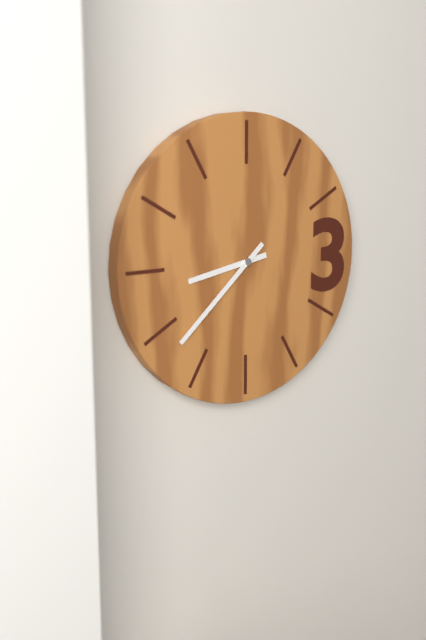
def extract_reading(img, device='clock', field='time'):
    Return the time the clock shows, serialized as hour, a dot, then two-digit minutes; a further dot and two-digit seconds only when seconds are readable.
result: 8.38
